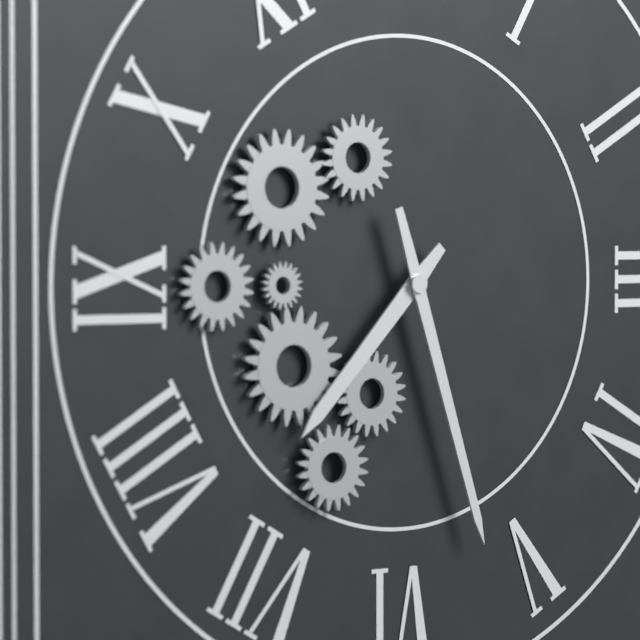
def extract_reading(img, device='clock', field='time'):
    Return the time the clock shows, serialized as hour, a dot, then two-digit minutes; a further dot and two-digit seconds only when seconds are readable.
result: 7.27
